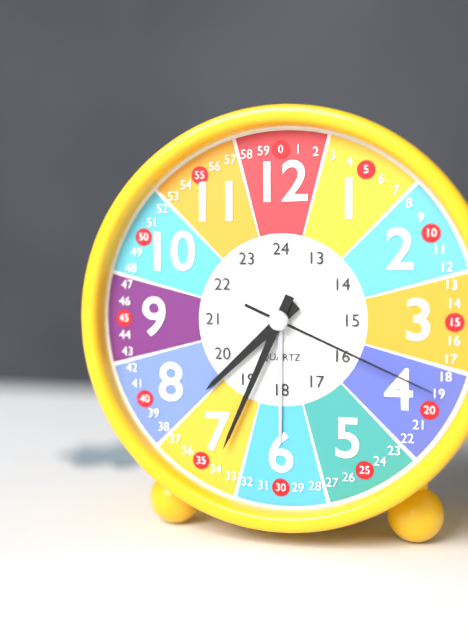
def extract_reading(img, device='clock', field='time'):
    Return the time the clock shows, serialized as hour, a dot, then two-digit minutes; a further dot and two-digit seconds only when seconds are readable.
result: 7.34.19
